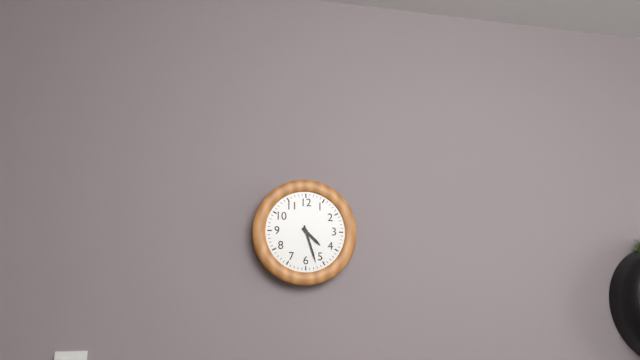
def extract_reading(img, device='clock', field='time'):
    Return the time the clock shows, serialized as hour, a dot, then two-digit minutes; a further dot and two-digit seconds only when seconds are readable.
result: 4.27
